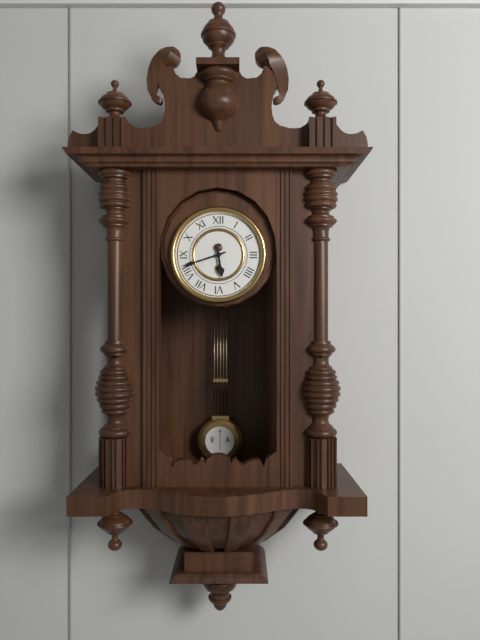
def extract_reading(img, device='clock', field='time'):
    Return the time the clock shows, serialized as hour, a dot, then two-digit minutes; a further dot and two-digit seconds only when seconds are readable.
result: 5.42
